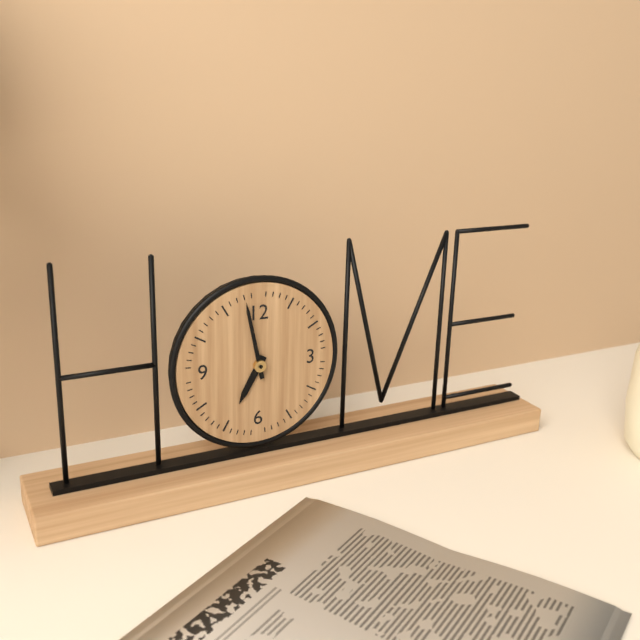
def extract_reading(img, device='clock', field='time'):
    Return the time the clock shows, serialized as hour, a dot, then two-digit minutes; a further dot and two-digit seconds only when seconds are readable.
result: 6.58
